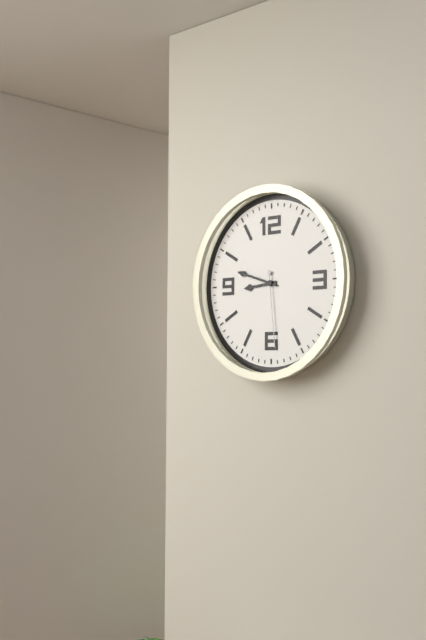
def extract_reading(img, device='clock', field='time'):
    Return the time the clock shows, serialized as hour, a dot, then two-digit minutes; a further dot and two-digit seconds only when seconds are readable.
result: 8.48.29
